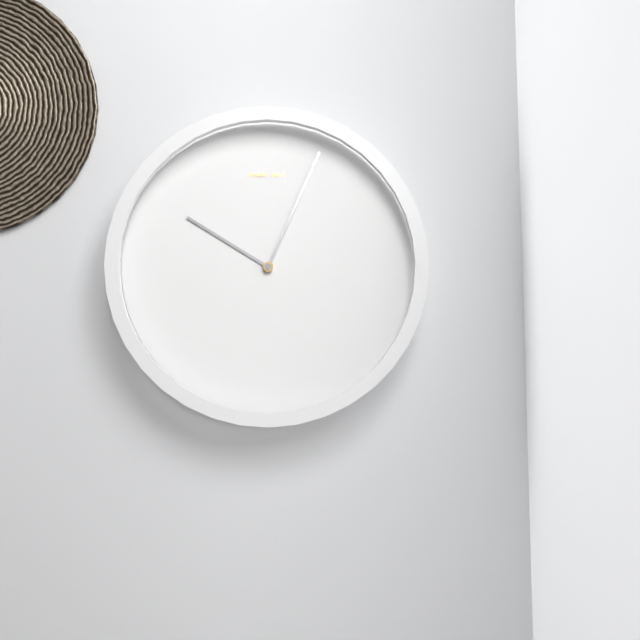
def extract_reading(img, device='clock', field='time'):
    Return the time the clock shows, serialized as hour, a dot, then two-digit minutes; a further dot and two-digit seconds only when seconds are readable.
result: 10.04
